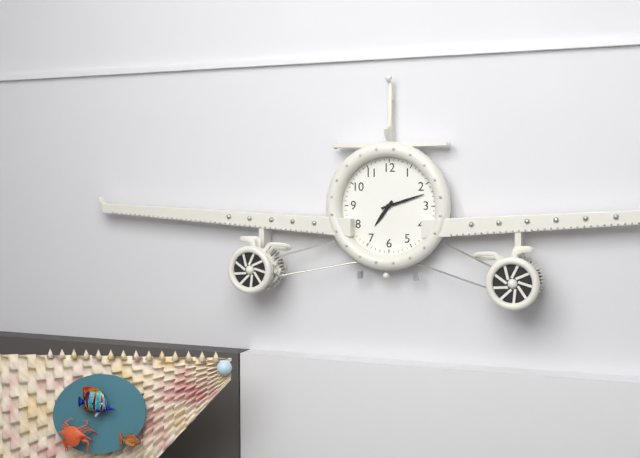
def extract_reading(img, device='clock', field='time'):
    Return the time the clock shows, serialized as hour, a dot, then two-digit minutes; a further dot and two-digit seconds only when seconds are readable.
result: 7.12
